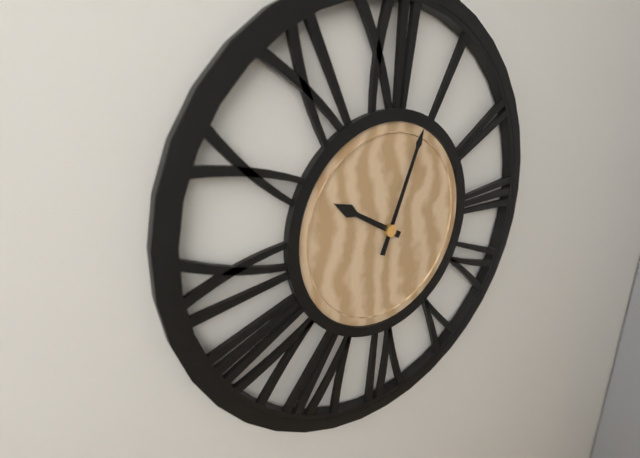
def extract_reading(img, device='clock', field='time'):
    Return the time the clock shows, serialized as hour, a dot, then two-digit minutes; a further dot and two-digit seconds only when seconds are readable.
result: 10.04
